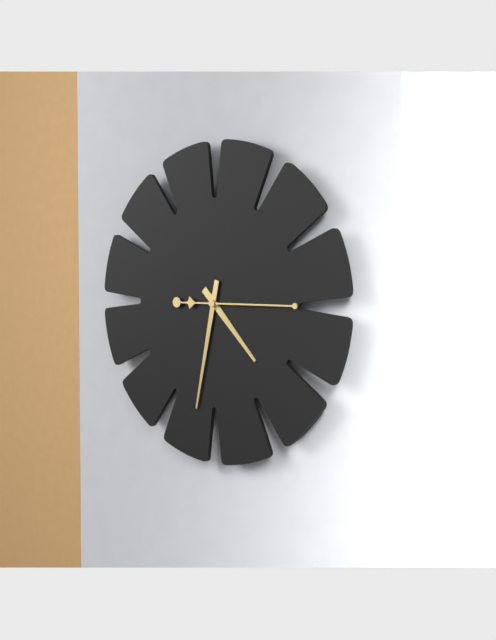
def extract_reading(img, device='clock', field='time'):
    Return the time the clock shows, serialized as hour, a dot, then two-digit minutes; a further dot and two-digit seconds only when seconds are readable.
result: 4.32.15
